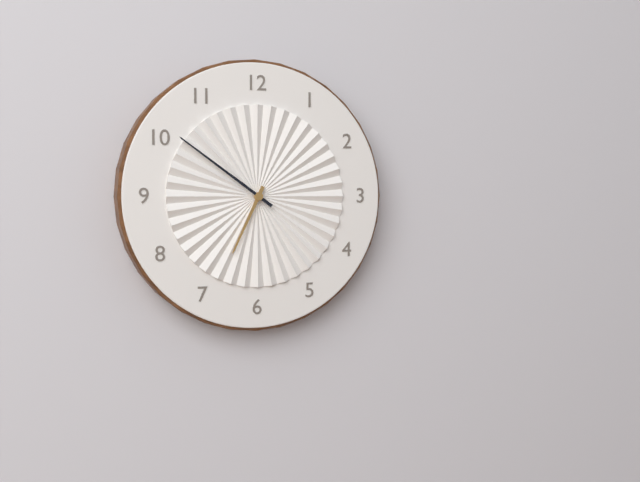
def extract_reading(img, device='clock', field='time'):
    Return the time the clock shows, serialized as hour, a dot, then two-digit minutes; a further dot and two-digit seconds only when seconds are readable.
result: 6.51
